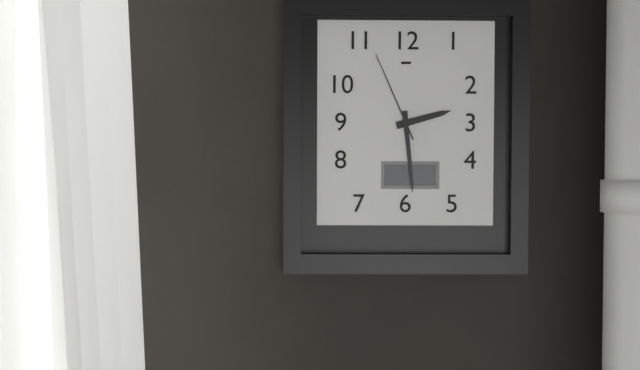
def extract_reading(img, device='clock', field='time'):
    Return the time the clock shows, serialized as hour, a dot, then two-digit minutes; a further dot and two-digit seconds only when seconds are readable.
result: 2.29.56
